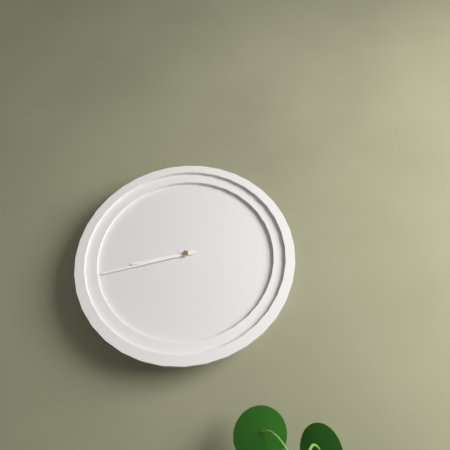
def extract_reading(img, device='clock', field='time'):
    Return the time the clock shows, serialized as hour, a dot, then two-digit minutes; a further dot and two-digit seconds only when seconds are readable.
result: 8.43
